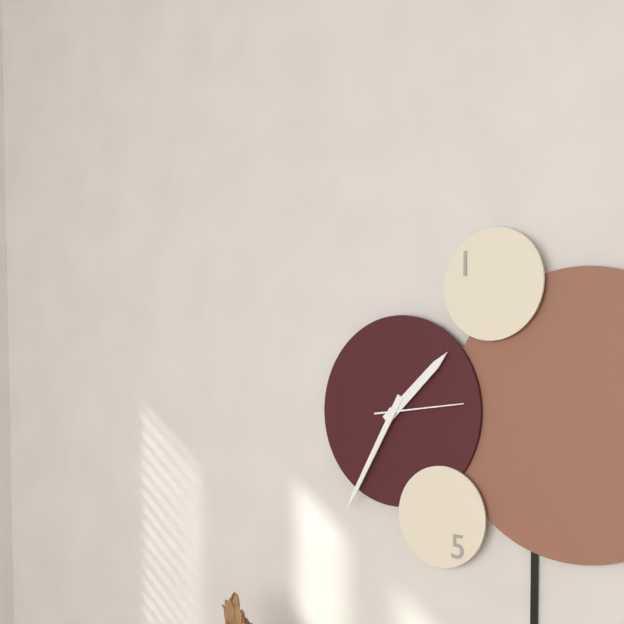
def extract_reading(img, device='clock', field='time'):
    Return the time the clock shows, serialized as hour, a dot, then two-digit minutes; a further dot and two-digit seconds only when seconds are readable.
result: 1.35.14
